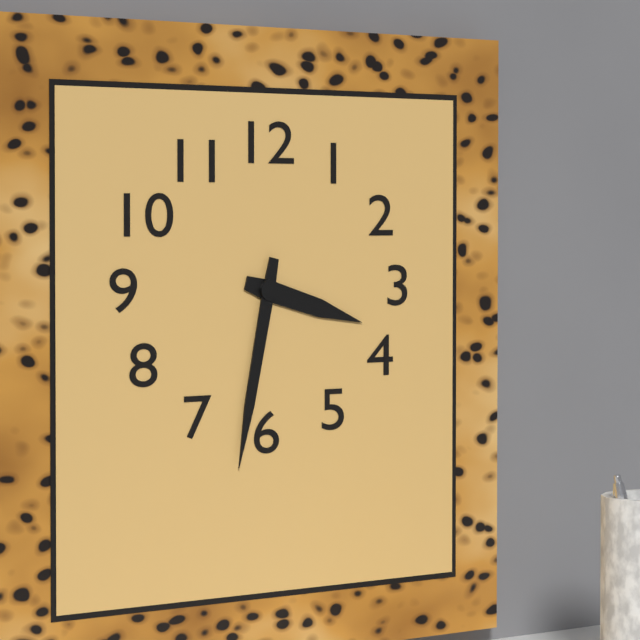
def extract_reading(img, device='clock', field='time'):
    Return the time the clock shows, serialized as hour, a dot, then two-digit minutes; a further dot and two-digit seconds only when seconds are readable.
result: 3.32
